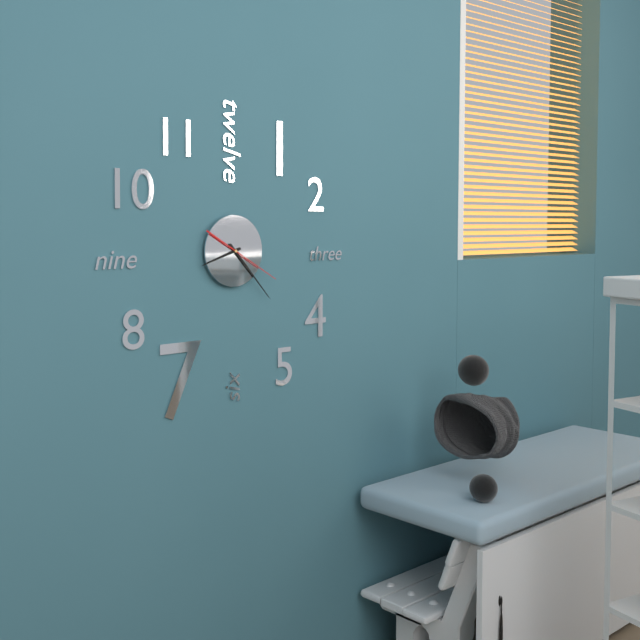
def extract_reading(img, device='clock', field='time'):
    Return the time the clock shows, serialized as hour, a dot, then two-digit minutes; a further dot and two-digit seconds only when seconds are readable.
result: 8.23.20
